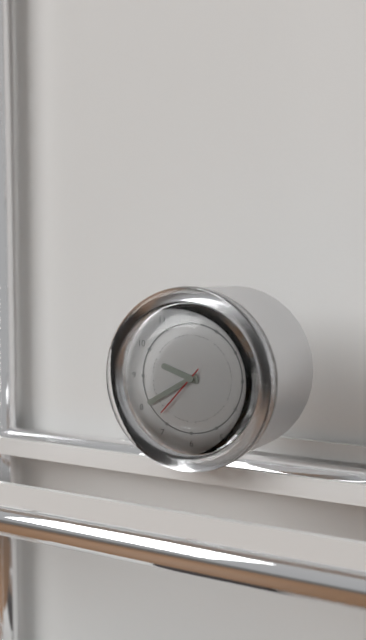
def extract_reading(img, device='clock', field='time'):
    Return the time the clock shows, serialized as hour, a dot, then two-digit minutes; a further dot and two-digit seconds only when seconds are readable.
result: 9.40.37
